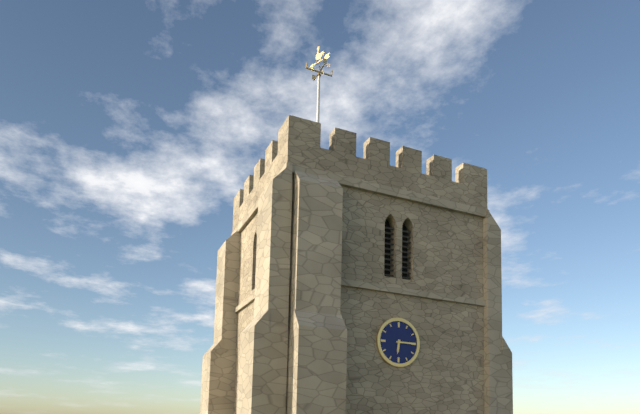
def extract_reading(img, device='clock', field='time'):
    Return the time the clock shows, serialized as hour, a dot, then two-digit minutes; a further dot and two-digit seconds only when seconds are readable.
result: 6.15
